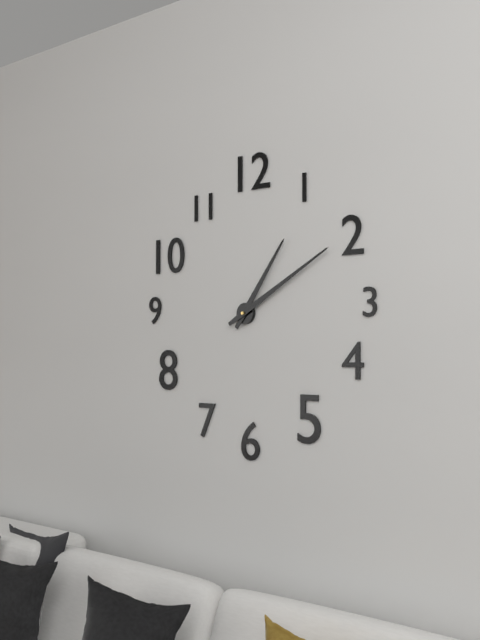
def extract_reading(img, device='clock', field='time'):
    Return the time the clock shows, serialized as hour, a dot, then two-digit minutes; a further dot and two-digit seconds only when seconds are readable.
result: 1.10
